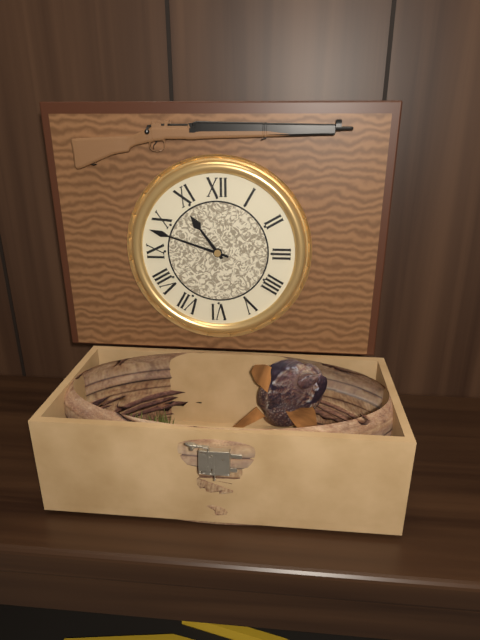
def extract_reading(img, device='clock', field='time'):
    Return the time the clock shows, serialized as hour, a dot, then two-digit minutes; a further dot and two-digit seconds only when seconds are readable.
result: 10.48
